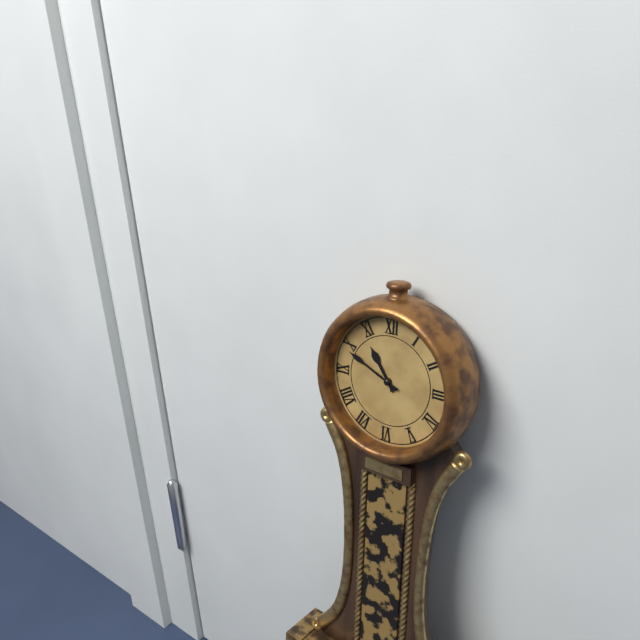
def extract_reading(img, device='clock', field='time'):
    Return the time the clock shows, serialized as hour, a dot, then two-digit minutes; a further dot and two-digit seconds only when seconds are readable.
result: 10.49
